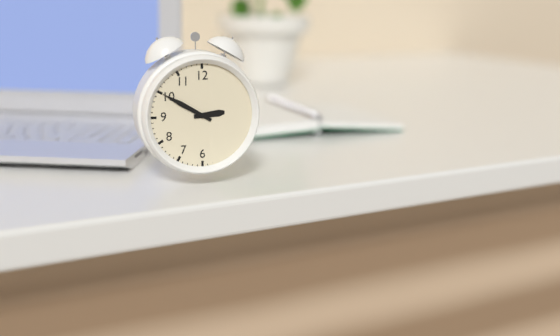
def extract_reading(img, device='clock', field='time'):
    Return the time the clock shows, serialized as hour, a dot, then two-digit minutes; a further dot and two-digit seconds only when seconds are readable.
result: 2.50
